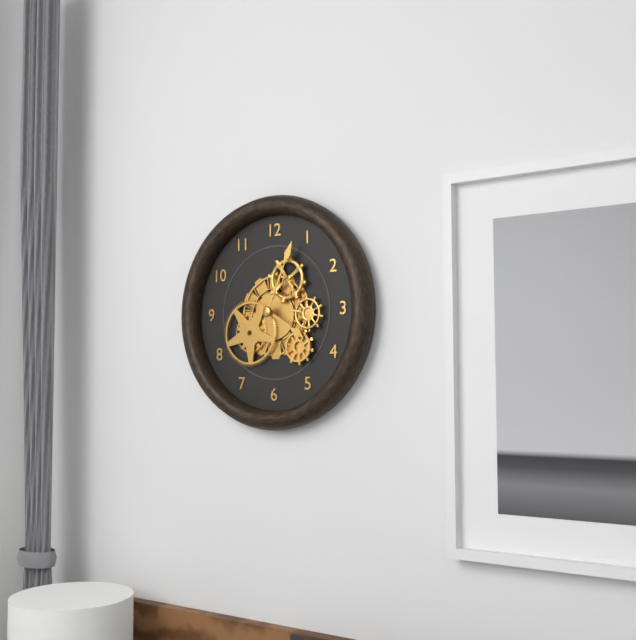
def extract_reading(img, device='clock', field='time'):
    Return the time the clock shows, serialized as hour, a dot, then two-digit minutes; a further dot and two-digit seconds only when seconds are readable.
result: 4.04
